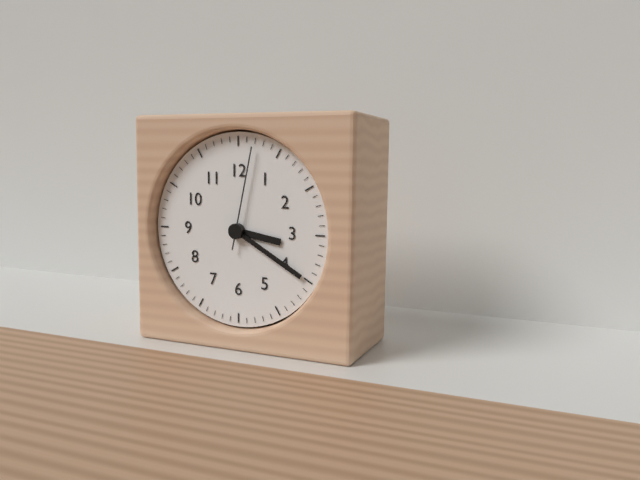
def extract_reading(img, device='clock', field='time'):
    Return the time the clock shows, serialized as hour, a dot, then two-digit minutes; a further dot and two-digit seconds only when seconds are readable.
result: 3.20.02
